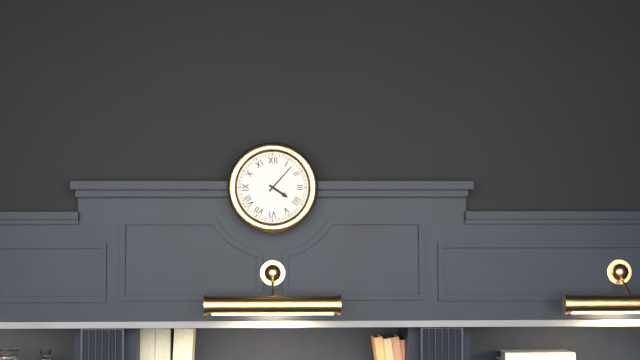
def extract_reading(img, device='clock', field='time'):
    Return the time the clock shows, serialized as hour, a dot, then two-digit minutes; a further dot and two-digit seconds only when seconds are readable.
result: 4.07
